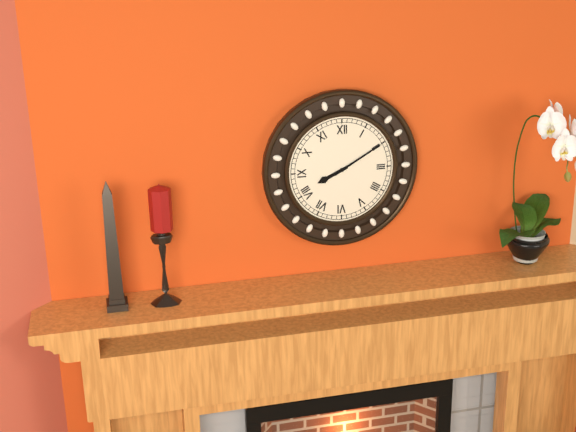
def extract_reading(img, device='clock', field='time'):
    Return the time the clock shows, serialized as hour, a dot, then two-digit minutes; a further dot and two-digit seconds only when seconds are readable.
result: 8.10
